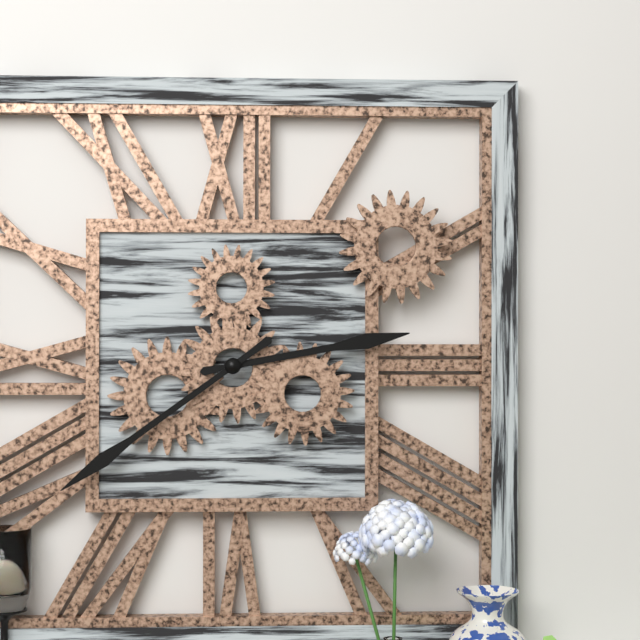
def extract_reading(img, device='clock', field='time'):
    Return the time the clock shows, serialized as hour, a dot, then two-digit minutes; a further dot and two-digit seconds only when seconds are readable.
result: 2.39
